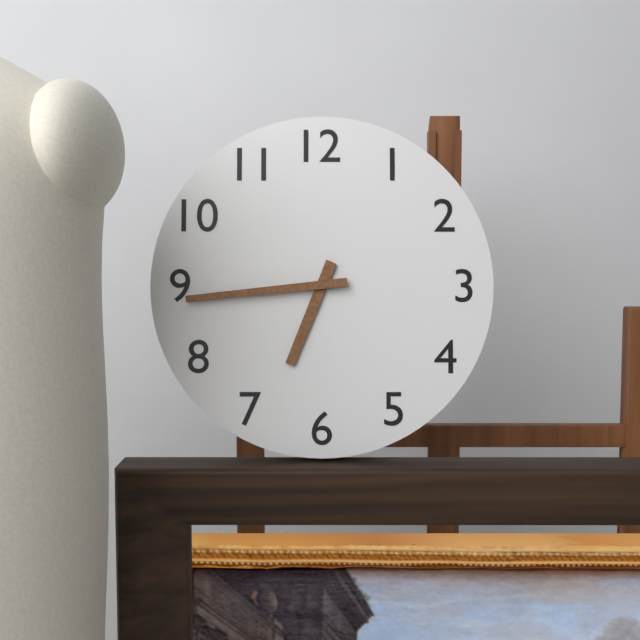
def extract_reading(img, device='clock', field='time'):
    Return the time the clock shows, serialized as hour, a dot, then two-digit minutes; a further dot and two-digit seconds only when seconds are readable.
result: 6.44
